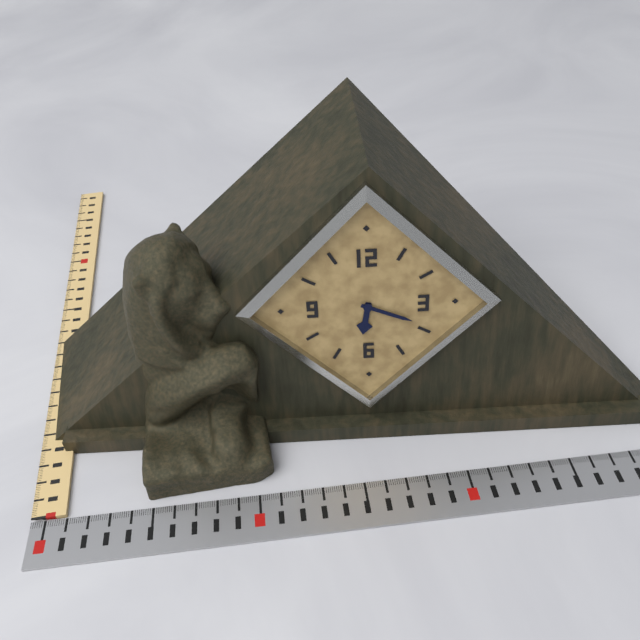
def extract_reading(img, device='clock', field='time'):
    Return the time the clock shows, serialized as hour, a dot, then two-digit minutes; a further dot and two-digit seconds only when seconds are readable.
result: 6.19
